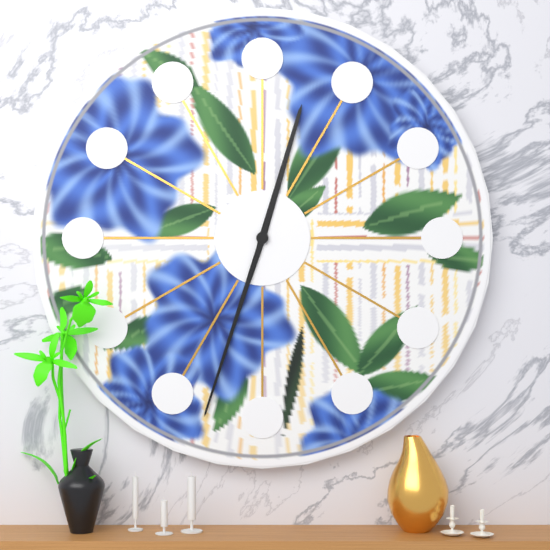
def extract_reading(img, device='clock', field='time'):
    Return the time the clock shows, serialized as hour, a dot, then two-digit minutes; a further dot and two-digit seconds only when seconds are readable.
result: 12.33
